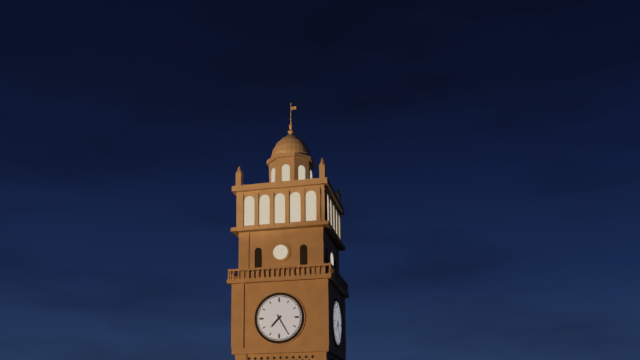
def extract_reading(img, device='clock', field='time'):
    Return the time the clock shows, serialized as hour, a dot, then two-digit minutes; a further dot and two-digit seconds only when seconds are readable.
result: 7.25
